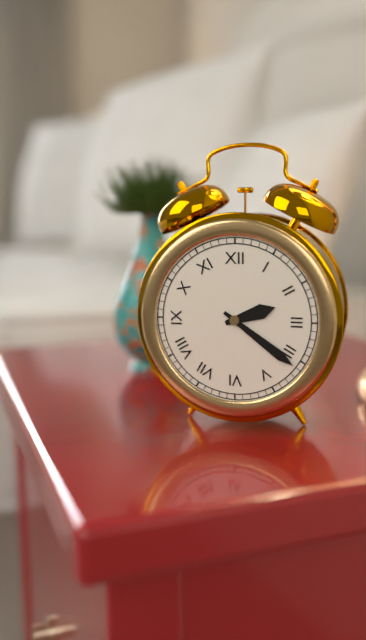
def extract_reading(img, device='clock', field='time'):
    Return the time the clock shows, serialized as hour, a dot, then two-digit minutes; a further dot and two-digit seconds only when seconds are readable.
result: 2.21
